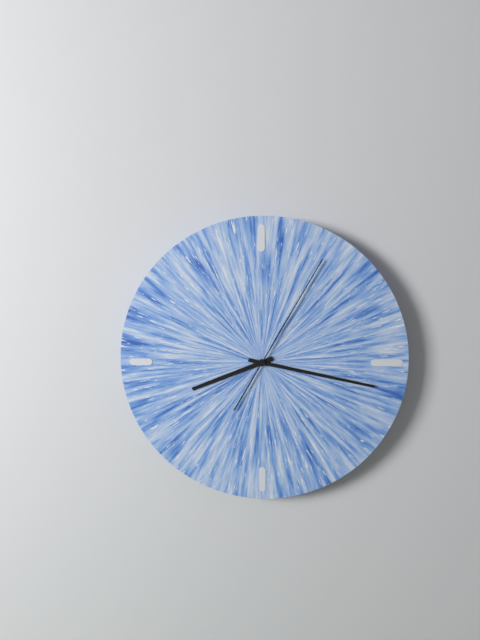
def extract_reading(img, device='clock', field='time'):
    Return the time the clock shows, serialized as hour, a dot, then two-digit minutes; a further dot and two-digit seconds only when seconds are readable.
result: 8.17.05
